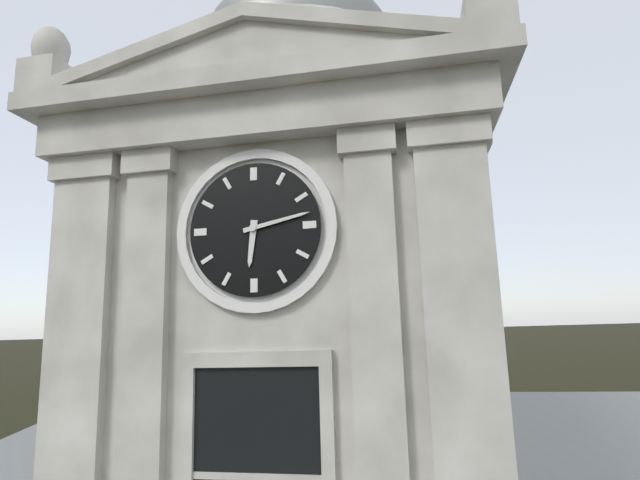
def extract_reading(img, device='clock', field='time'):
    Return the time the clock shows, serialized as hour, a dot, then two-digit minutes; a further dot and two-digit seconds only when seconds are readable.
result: 6.13
